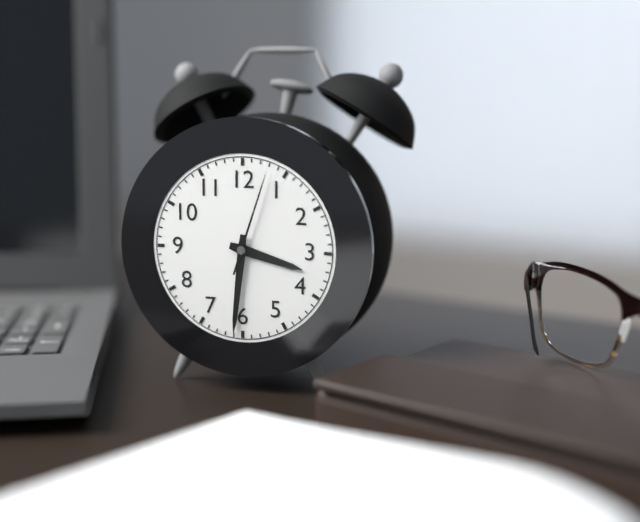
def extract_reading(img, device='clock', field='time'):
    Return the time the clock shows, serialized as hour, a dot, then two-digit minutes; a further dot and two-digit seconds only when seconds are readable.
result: 3.31.03
